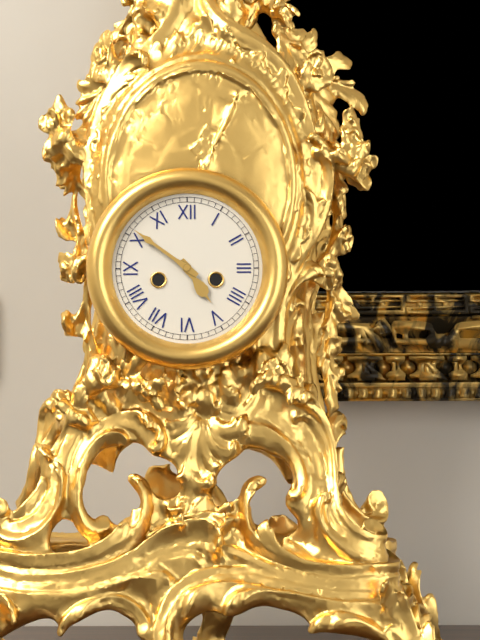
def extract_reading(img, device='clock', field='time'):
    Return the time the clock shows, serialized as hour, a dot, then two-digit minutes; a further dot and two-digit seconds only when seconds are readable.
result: 4.51
